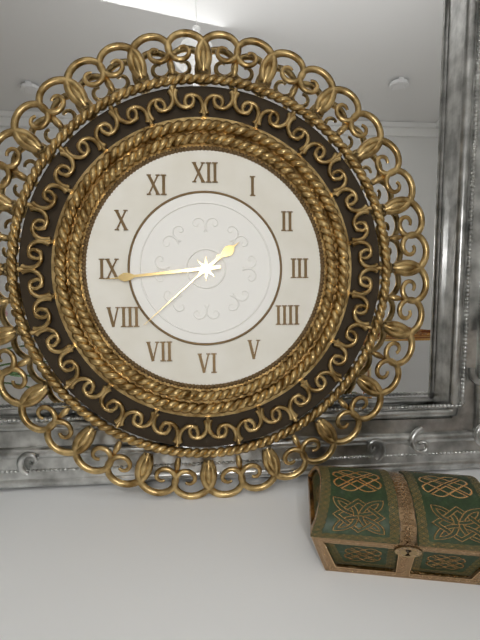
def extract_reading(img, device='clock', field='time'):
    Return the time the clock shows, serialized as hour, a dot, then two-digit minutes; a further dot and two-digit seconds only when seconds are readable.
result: 1.44.38
